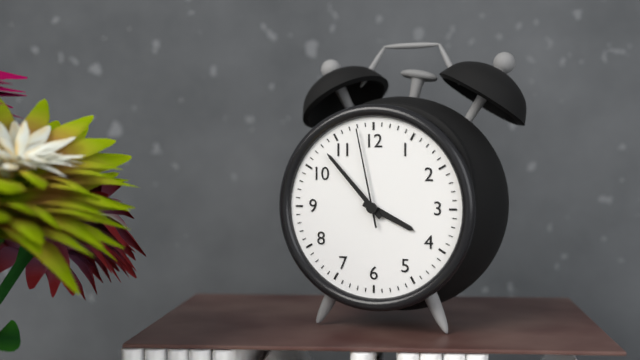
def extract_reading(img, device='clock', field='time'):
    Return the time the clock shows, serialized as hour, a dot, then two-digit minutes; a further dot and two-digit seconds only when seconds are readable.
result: 3.53.58
